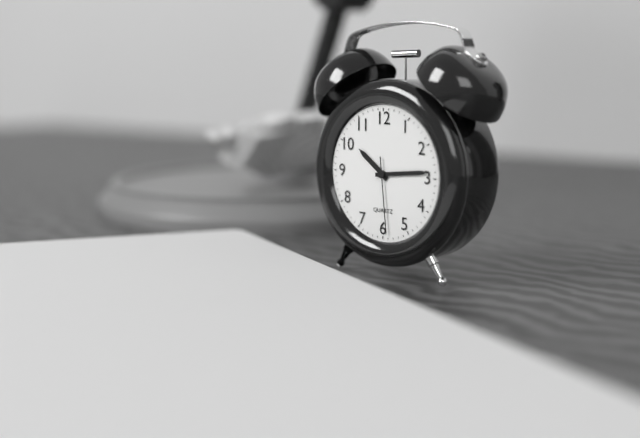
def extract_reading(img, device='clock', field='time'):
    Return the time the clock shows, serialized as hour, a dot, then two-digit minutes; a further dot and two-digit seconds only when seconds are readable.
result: 10.14.29
